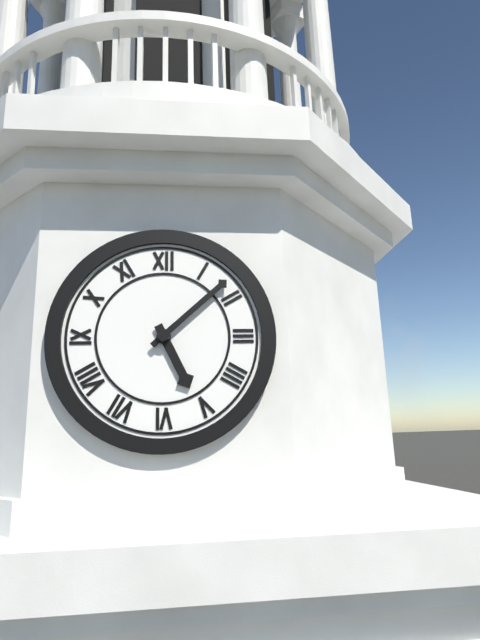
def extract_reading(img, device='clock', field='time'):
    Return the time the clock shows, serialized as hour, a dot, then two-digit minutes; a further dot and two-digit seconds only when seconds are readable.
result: 5.08
